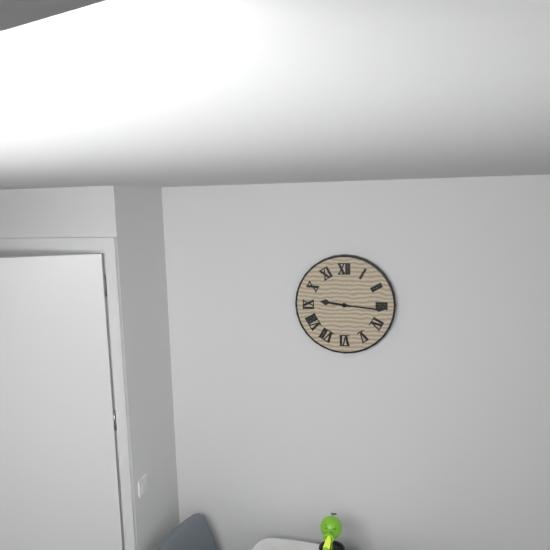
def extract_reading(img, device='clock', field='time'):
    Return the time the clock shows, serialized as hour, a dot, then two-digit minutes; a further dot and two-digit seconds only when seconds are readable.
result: 9.16
